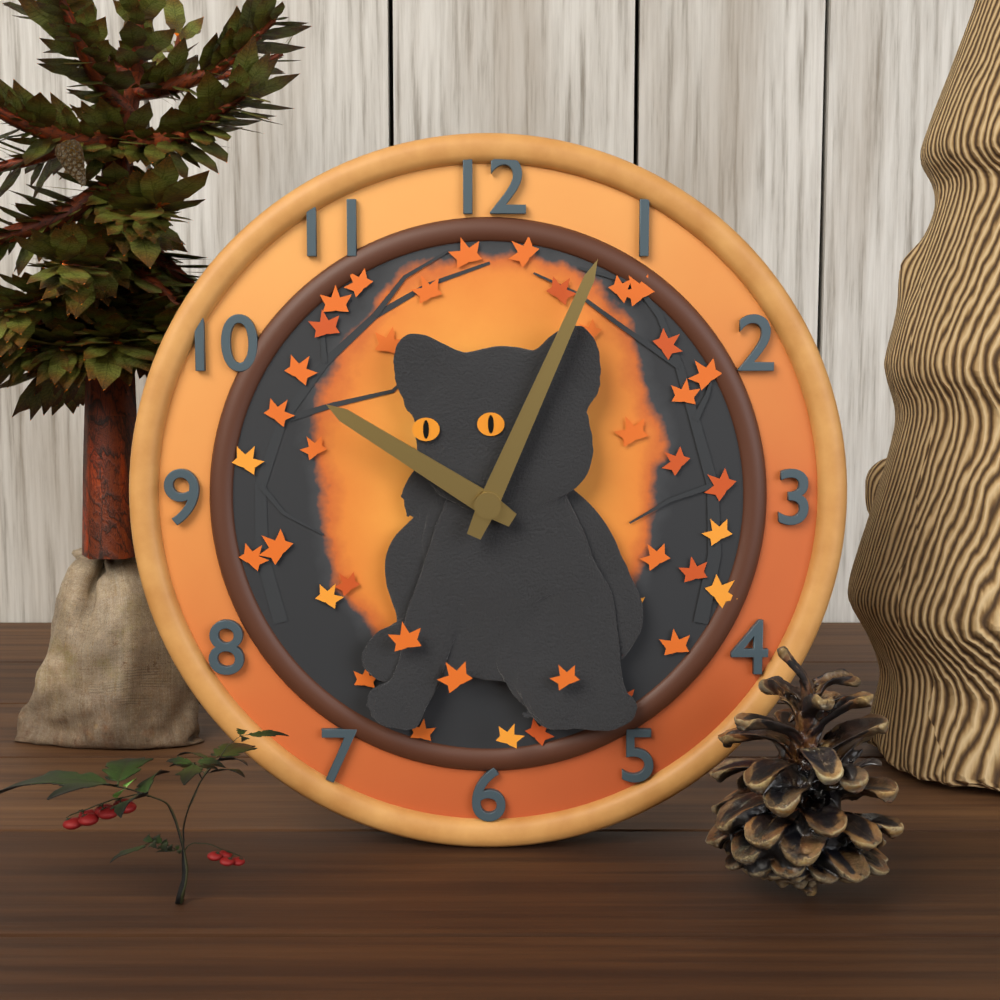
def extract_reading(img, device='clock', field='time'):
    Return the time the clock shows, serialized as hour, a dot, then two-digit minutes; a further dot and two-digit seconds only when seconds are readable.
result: 10.04
